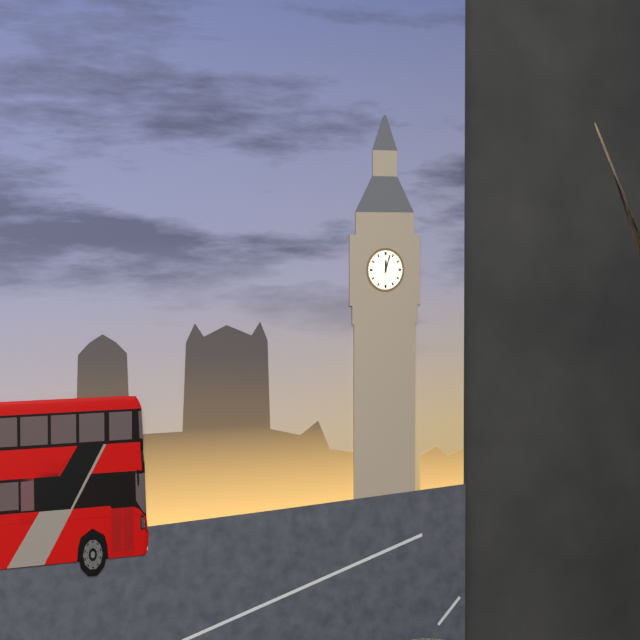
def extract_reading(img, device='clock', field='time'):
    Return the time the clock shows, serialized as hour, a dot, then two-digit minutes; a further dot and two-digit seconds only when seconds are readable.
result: 12.03
